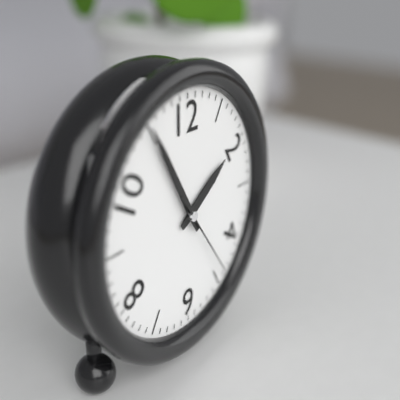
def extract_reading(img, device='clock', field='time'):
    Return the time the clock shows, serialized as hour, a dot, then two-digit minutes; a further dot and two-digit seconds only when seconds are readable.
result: 1.55.24
